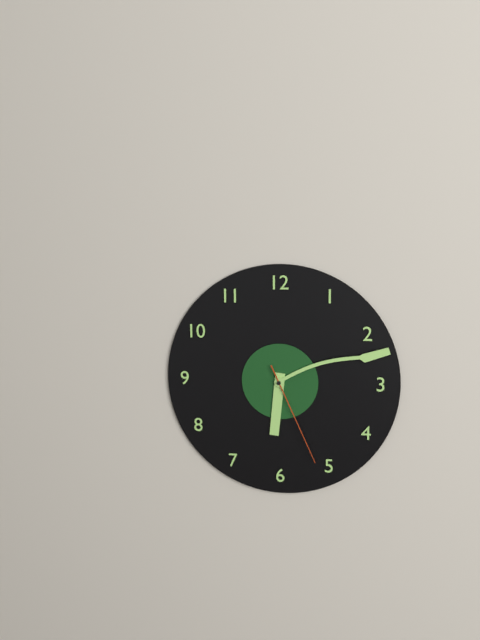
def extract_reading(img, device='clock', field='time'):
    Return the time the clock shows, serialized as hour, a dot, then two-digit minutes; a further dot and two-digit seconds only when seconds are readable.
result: 6.12.26
